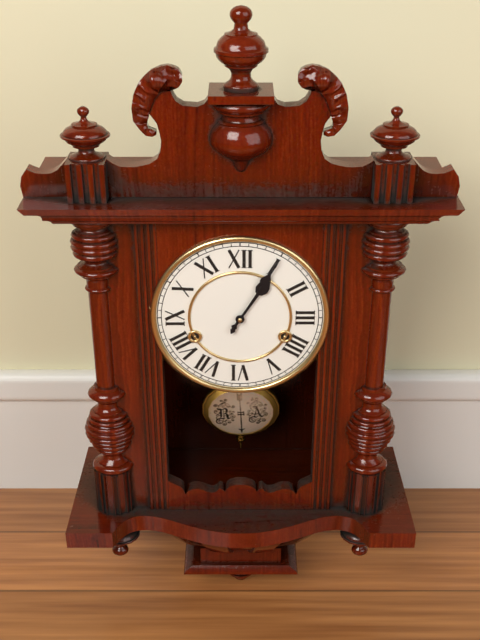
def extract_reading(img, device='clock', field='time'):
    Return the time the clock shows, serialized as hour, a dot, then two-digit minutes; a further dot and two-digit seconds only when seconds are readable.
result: 1.05
